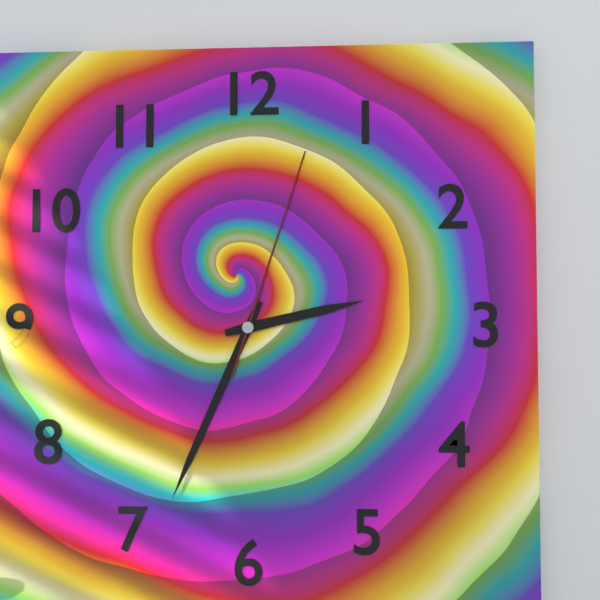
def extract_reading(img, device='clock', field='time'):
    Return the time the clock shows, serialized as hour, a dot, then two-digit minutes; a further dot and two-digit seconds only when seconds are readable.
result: 2.34.03
